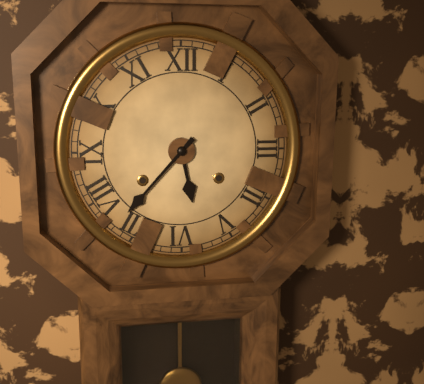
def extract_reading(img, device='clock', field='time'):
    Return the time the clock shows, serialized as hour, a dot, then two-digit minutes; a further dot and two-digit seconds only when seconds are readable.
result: 5.37
